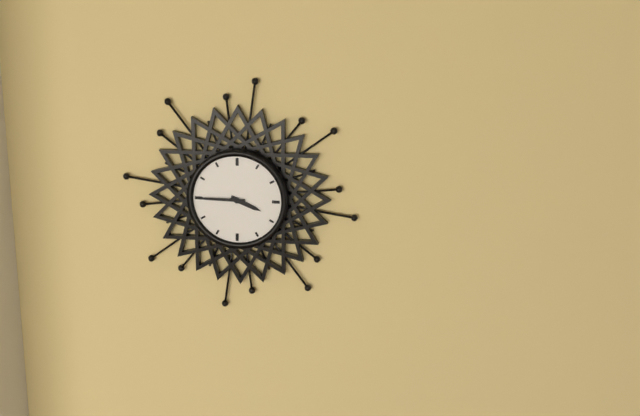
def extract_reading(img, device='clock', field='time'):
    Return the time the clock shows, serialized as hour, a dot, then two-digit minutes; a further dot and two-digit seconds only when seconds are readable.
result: 3.45
